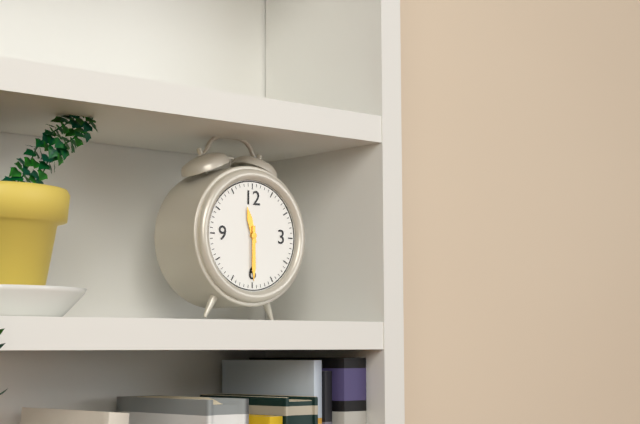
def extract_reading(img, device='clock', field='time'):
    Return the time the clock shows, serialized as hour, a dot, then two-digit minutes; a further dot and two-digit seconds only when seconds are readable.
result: 11.30
